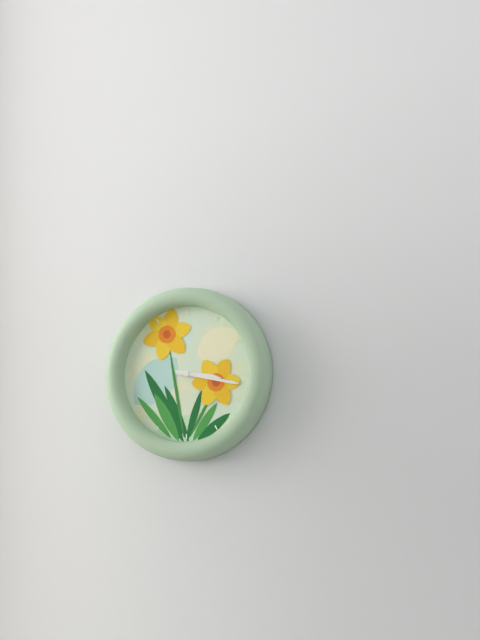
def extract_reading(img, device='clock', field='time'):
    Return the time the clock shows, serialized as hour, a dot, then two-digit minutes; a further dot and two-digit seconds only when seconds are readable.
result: 3.17
